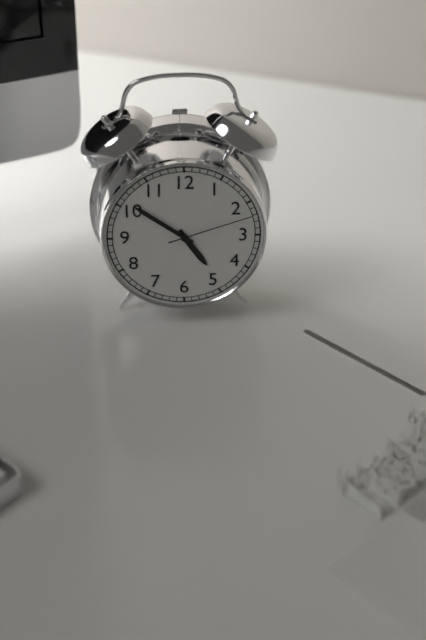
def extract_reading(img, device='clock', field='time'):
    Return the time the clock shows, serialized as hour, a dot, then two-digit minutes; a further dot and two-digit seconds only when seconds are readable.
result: 4.51.12
